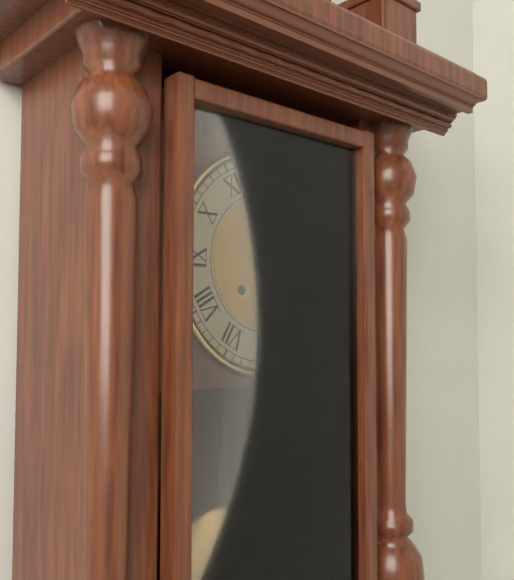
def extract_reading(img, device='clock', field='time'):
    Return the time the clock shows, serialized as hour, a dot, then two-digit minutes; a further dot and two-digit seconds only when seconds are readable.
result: 2.25
